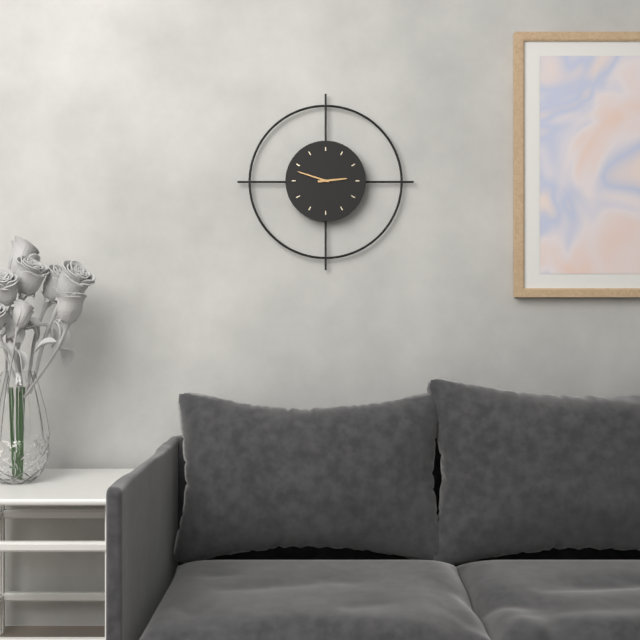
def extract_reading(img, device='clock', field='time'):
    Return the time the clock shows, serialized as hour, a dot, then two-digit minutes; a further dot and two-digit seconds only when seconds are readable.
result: 2.48
